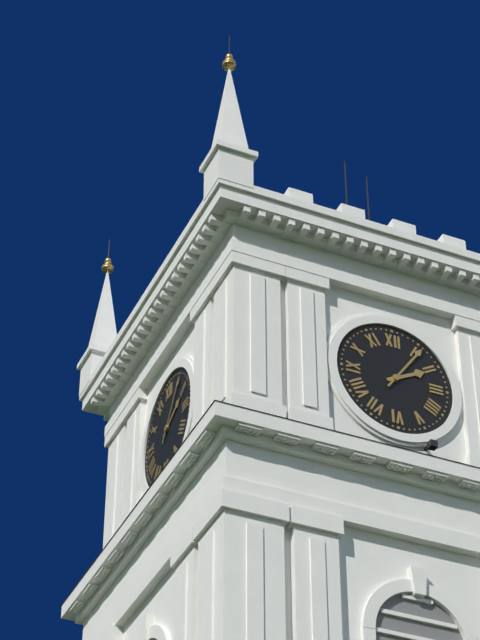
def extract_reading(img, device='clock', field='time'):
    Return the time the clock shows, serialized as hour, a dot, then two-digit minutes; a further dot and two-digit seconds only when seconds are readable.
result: 2.06
